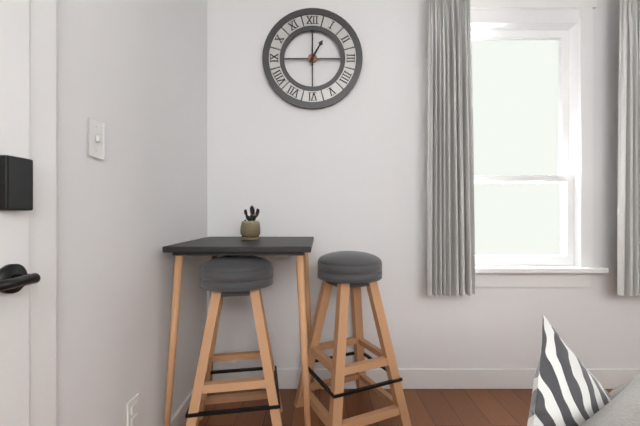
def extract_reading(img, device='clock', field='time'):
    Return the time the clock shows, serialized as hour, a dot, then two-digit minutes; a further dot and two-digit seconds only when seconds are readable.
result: 1.00
